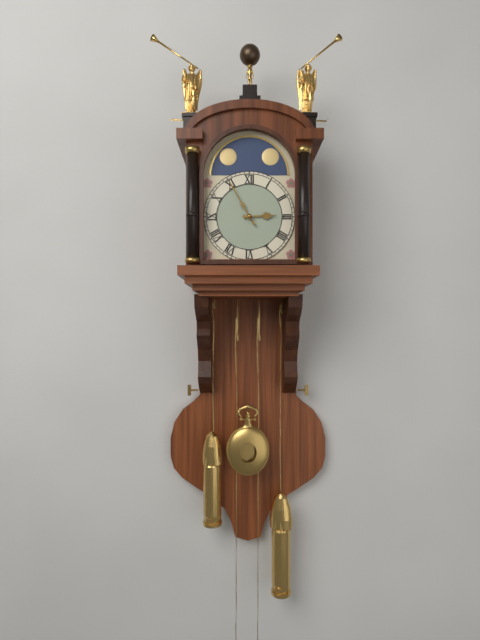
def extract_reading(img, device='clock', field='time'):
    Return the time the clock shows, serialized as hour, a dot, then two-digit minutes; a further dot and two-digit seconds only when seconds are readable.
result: 2.55
